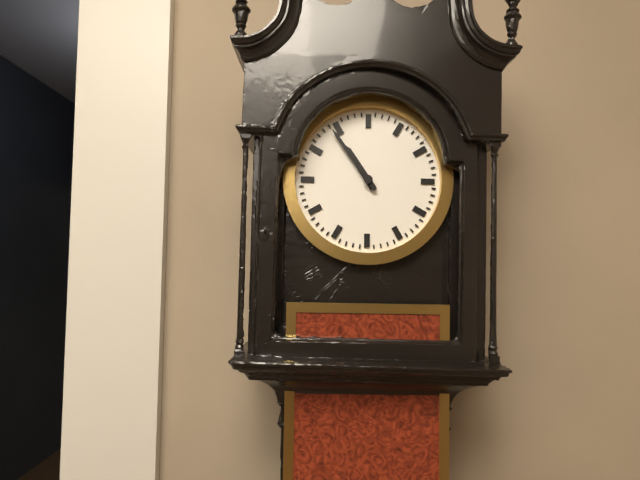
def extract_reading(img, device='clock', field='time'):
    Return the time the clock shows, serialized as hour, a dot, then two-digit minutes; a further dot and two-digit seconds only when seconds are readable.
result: 10.54
